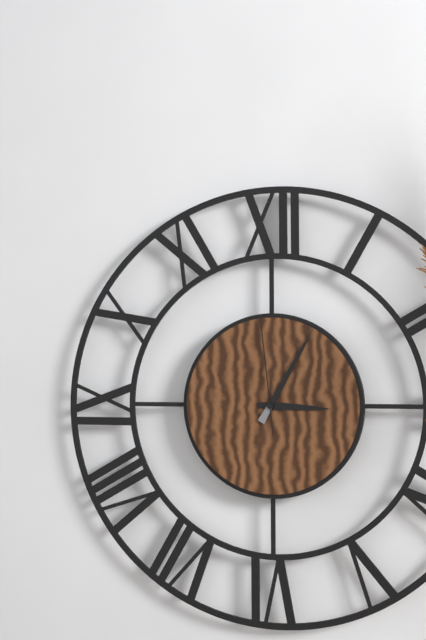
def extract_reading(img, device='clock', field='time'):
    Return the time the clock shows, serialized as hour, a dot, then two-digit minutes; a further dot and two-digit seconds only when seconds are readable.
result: 3.05.59
